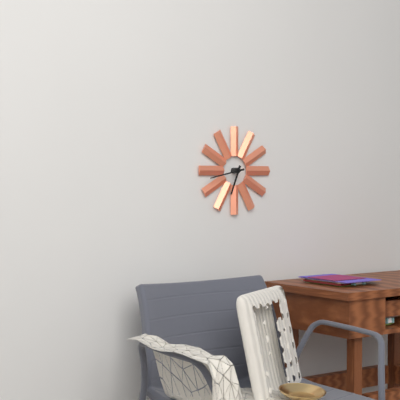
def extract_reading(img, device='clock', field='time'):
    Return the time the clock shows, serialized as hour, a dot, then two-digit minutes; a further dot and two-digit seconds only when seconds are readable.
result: 6.43
